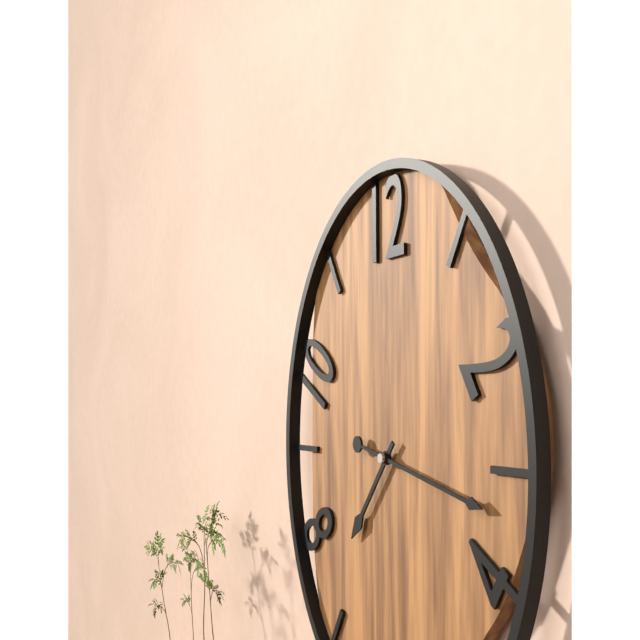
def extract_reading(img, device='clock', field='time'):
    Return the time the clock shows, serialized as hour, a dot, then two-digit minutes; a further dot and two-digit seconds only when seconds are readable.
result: 7.17
